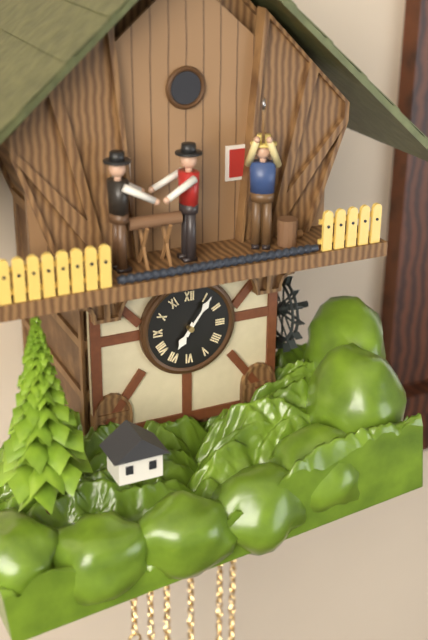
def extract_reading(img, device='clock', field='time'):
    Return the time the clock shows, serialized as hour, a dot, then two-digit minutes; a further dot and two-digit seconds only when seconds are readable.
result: 7.06
